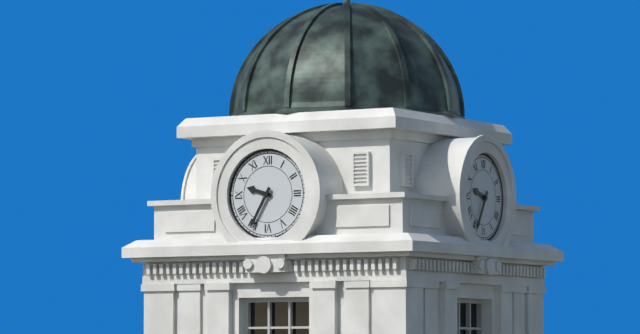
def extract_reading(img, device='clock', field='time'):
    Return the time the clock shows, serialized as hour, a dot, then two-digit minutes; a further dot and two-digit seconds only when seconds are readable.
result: 9.35
